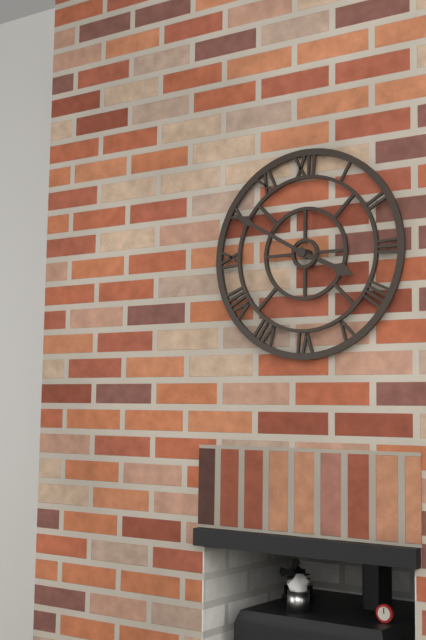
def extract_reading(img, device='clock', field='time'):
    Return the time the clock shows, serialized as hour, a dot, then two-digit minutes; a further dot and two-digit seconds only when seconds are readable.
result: 3.50
